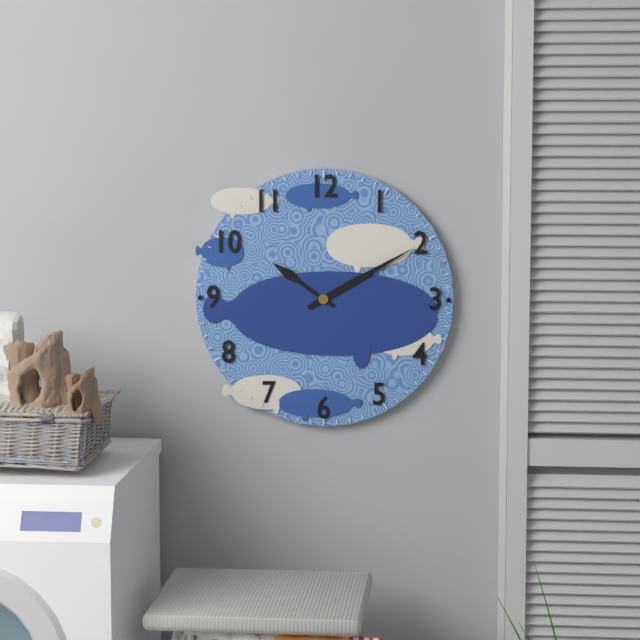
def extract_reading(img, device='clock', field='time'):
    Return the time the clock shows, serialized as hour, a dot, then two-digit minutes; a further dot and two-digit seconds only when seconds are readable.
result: 10.10
